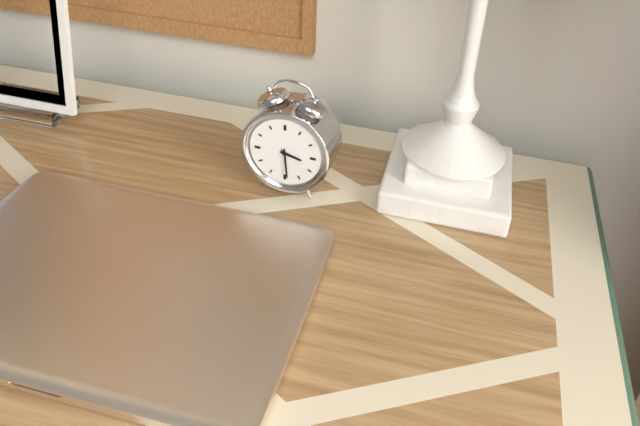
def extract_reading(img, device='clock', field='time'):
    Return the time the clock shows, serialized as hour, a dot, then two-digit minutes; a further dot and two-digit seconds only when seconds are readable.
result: 3.29
